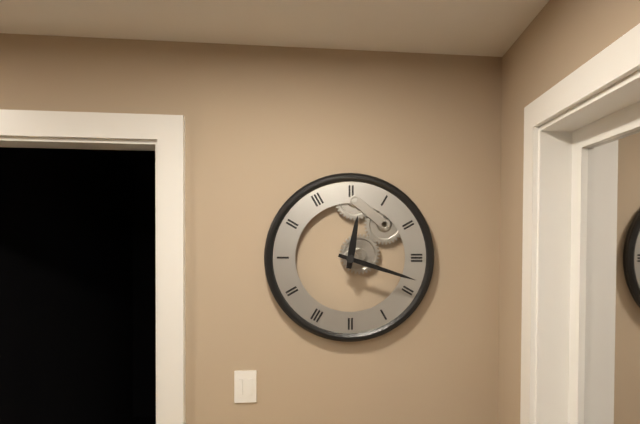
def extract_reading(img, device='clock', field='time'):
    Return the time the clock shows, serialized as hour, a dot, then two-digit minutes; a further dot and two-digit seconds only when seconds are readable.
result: 12.18
